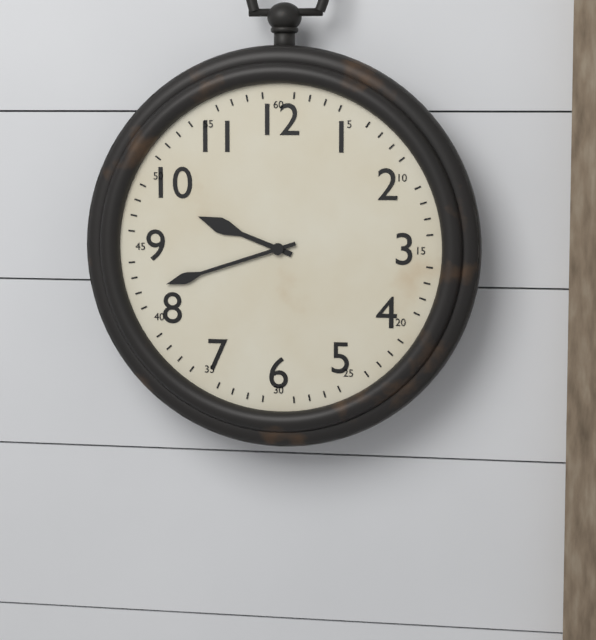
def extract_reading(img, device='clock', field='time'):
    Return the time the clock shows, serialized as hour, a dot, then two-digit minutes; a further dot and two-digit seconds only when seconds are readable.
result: 9.42
